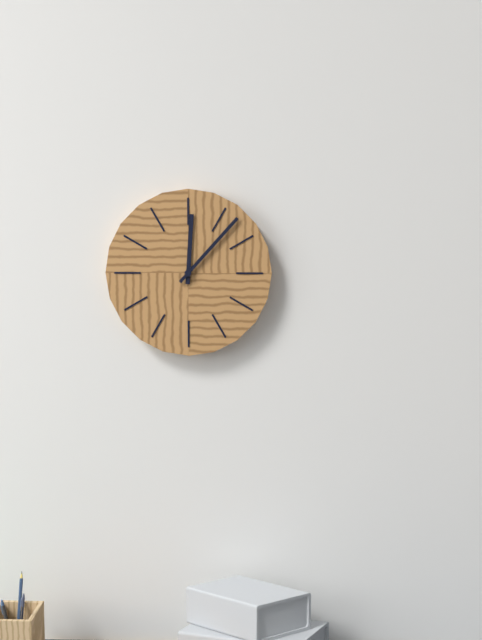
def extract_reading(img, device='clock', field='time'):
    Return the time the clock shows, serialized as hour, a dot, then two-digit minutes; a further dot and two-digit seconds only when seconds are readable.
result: 12.07
